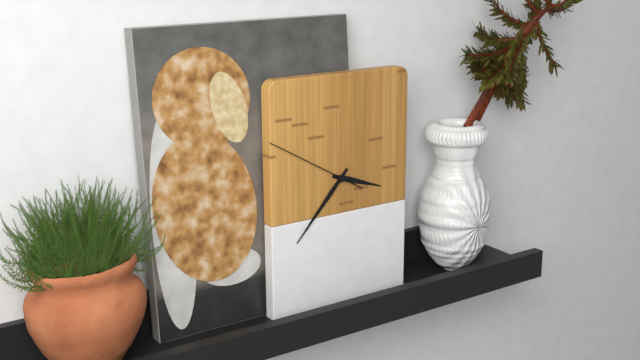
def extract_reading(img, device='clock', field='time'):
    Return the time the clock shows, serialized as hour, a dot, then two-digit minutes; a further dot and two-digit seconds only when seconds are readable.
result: 3.37.50
